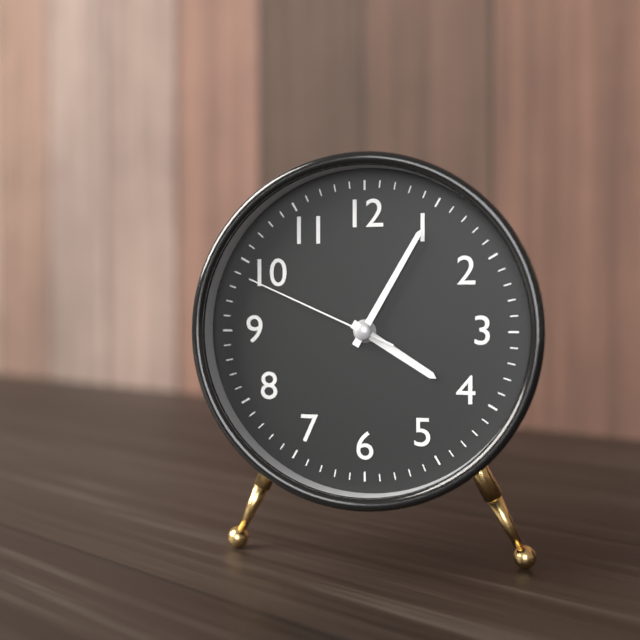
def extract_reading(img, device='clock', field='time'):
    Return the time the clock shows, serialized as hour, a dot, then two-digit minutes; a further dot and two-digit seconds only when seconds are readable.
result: 4.05.49
